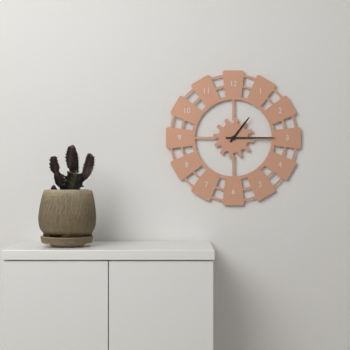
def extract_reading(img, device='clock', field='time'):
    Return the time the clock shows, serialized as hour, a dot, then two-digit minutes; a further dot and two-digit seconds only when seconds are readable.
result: 1.15
